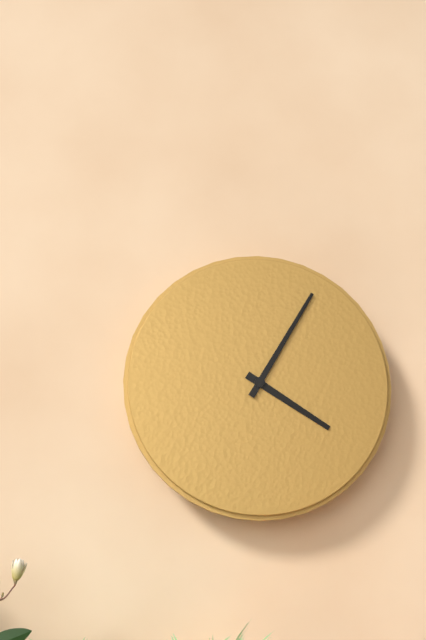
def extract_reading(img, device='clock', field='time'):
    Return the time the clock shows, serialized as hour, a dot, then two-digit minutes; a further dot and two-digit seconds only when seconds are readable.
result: 4.05
